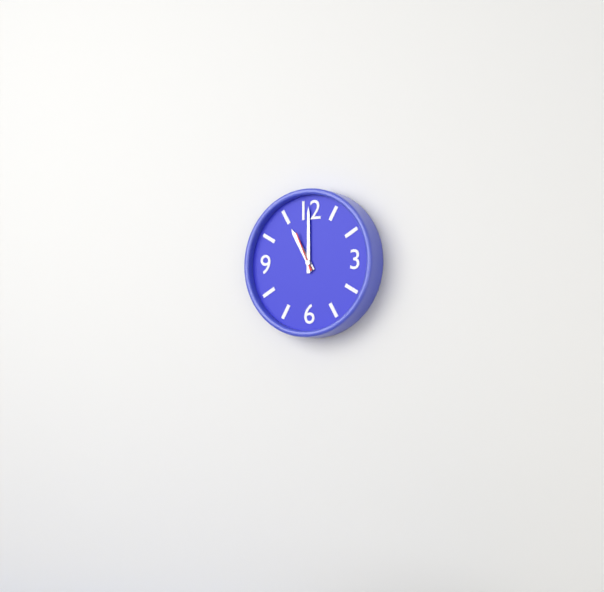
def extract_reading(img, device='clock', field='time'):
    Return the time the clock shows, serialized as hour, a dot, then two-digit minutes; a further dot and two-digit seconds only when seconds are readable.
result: 11.00
